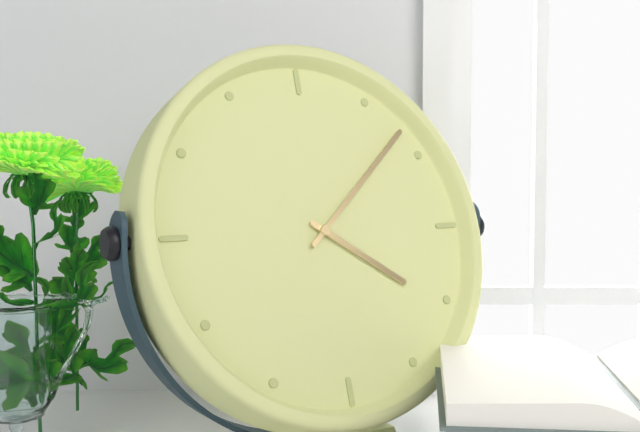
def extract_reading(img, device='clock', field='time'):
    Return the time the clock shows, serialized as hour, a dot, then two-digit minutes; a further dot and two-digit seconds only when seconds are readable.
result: 4.08
